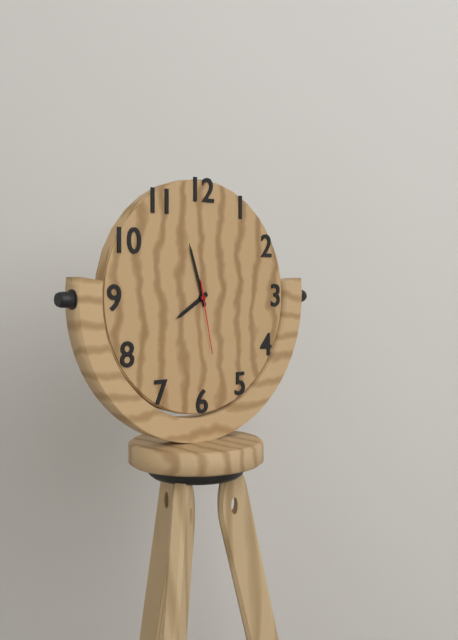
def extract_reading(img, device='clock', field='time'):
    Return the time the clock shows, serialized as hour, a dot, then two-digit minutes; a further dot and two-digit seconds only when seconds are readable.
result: 7.57.28
